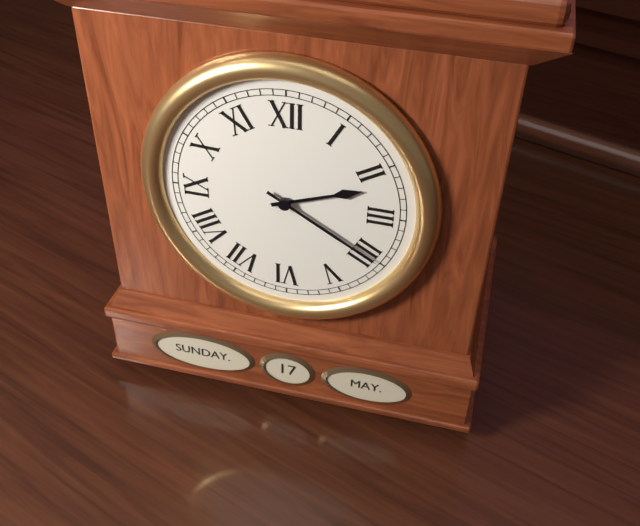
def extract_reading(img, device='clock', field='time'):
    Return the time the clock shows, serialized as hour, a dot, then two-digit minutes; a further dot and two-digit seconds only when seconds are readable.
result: 2.20
